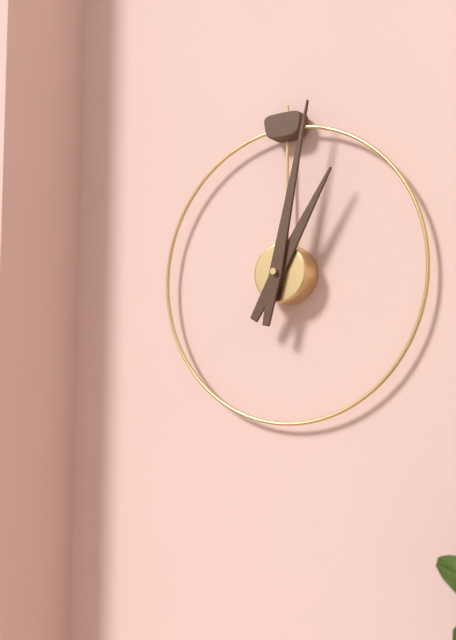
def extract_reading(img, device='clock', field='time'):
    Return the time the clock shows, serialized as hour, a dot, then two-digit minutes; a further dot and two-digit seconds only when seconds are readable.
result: 1.02
